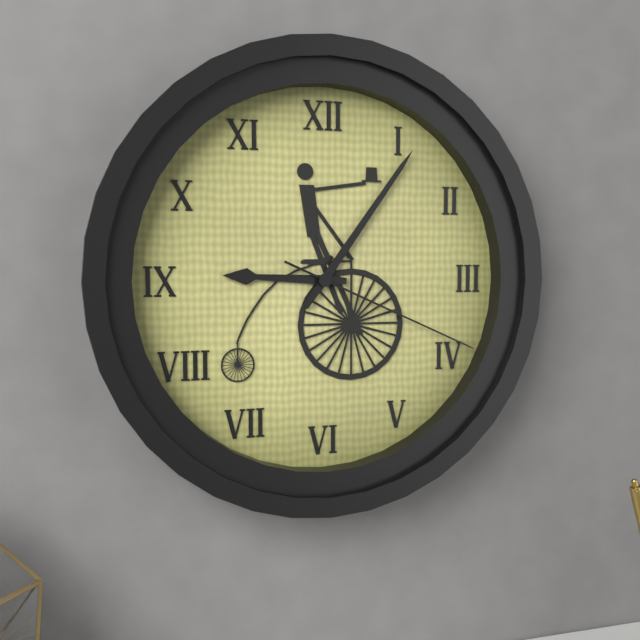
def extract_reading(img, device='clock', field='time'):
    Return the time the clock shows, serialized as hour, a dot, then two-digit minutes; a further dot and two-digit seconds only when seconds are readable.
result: 9.06.19
